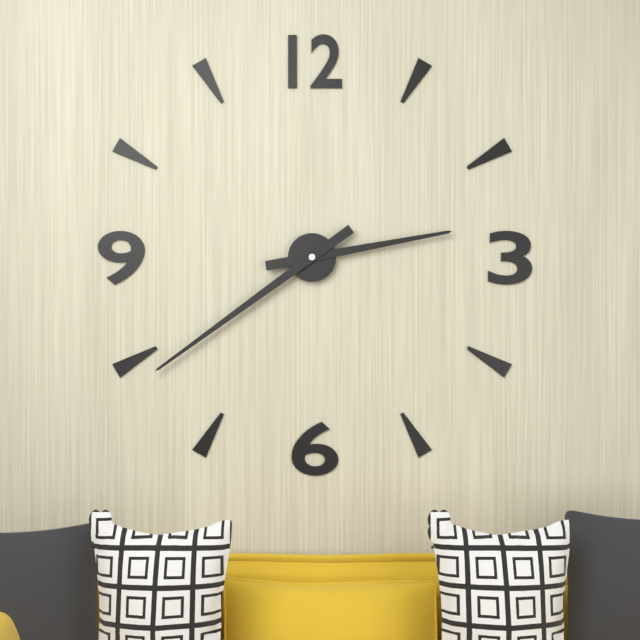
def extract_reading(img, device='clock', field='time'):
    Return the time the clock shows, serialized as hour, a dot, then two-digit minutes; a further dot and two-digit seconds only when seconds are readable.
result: 2.39
